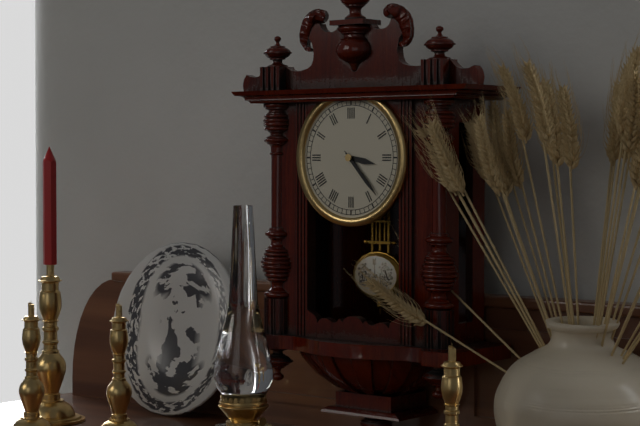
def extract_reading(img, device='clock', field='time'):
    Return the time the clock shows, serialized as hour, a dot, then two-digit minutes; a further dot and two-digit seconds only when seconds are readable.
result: 3.23
